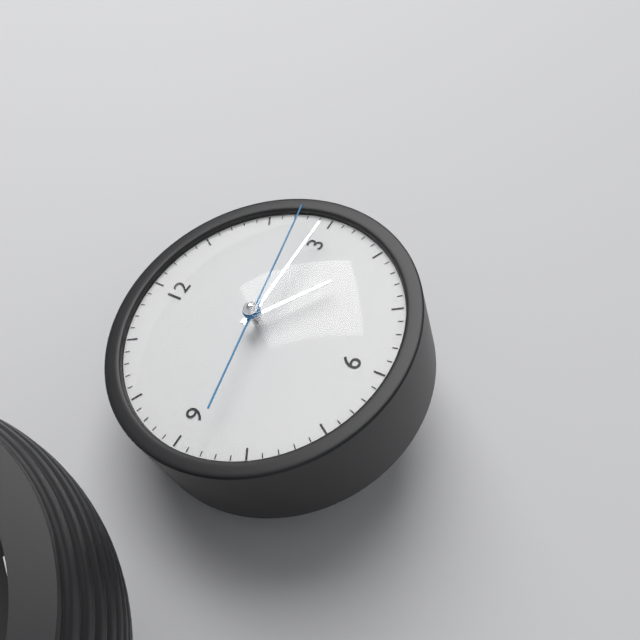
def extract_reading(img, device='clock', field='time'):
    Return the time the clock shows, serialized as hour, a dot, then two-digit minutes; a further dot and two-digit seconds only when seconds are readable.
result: 4.15.13
